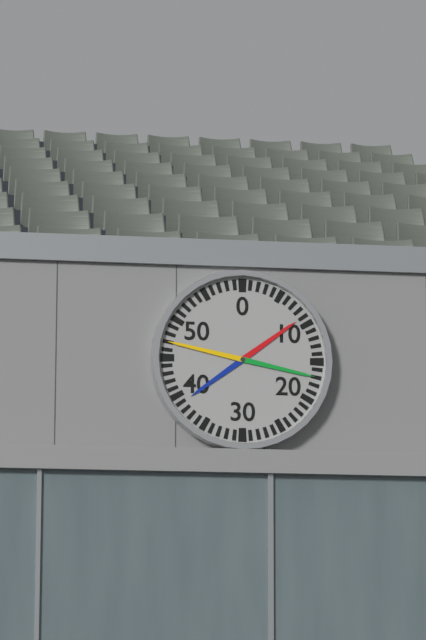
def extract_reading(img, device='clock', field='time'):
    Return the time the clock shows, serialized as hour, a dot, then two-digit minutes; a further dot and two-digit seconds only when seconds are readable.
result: 1.47
